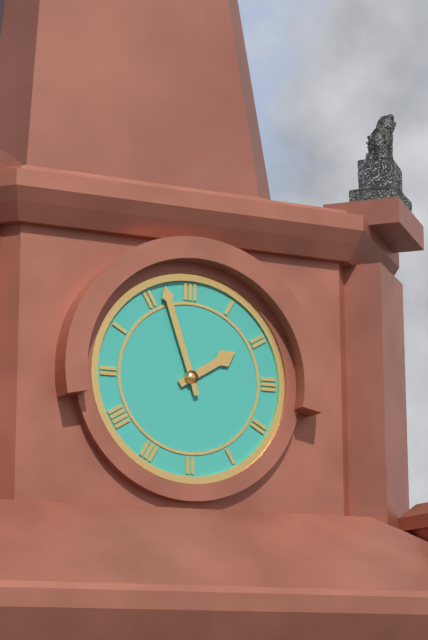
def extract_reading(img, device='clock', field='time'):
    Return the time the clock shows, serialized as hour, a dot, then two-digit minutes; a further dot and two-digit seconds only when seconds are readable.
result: 1.57
